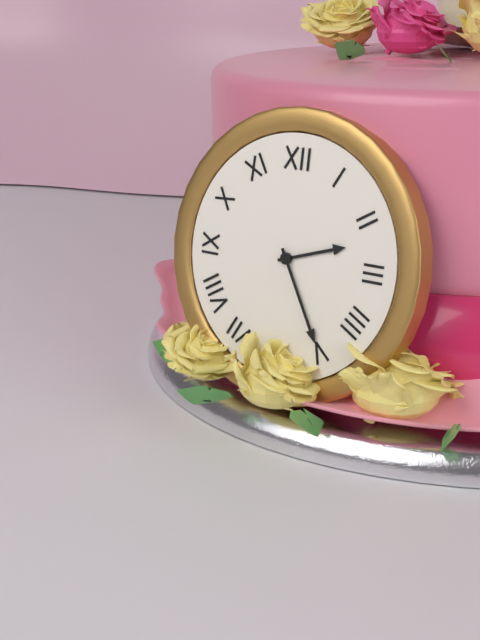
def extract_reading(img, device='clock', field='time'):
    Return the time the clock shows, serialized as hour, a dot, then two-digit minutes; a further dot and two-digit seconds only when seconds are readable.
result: 2.25
